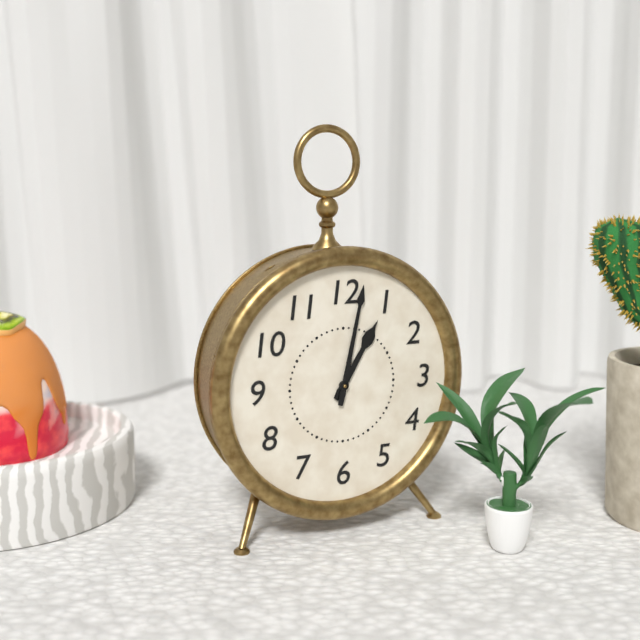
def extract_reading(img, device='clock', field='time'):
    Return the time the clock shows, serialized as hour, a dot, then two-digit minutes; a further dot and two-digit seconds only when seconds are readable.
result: 1.02
